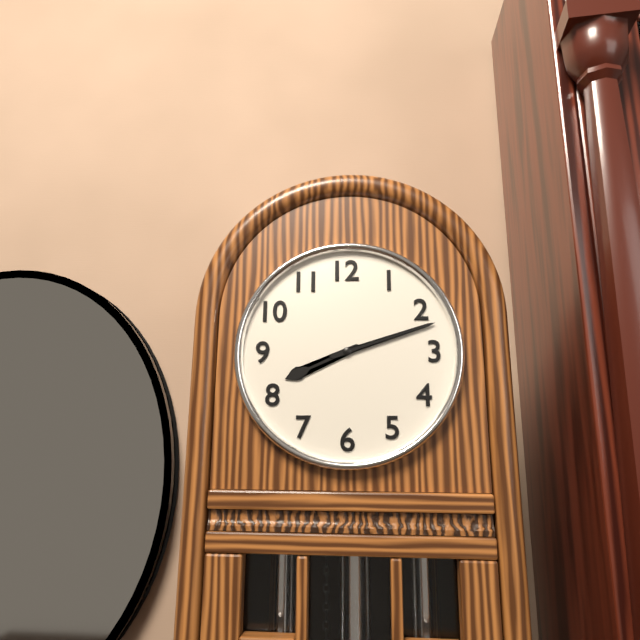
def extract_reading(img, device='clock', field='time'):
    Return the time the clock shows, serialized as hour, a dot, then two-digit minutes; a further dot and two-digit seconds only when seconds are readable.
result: 8.12
